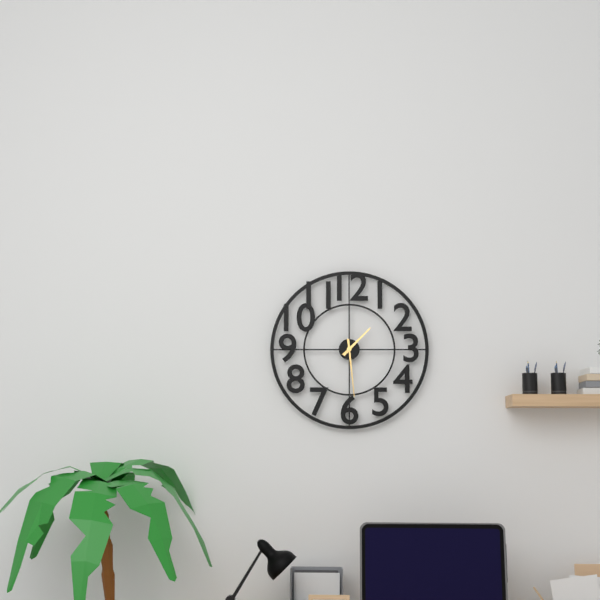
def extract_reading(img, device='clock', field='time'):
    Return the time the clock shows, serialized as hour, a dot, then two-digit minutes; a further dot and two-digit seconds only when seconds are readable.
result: 1.29
